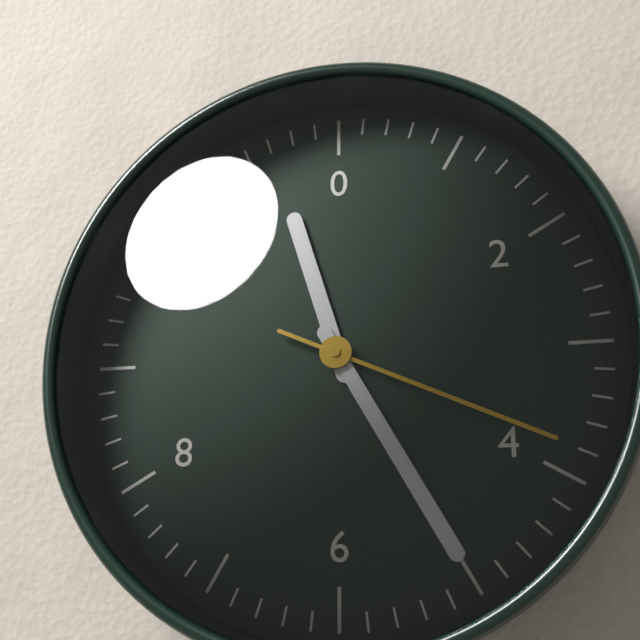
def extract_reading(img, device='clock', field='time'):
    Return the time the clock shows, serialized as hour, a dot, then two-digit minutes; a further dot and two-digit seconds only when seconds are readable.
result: 11.25.19
